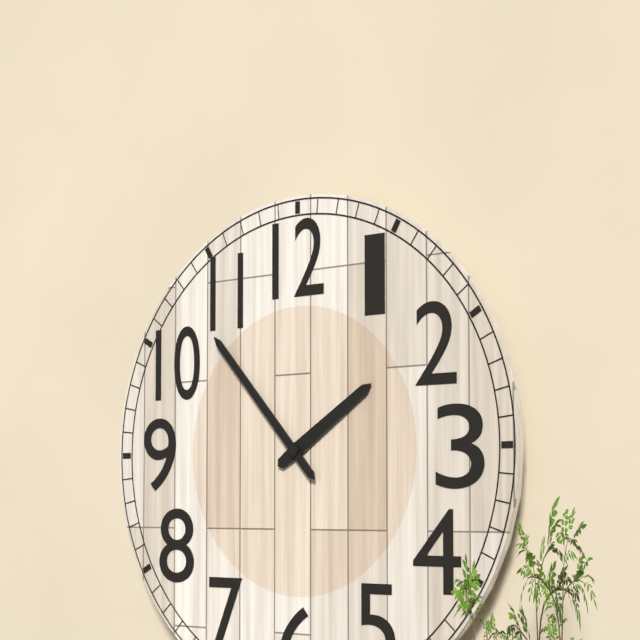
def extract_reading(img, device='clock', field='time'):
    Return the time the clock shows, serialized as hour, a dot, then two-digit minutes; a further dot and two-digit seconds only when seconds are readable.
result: 1.53
